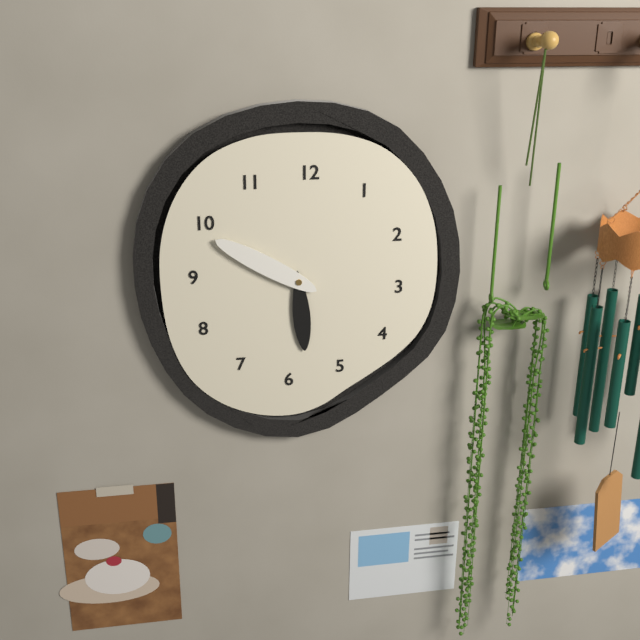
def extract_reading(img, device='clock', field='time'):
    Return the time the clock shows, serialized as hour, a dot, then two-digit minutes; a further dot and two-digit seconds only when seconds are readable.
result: 5.50
